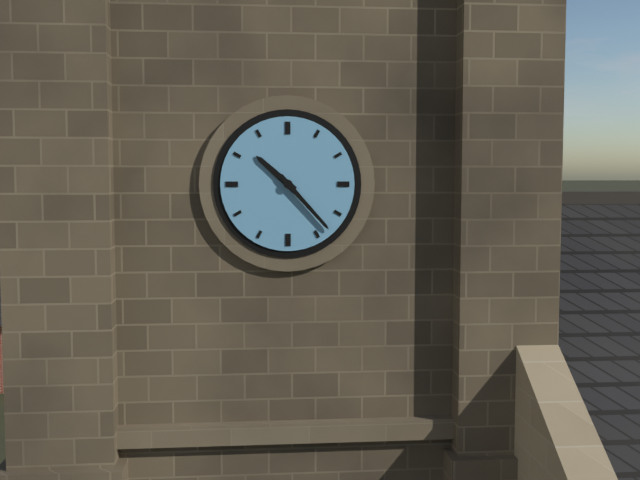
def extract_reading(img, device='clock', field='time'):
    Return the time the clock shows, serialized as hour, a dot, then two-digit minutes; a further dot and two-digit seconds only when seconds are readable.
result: 10.23
